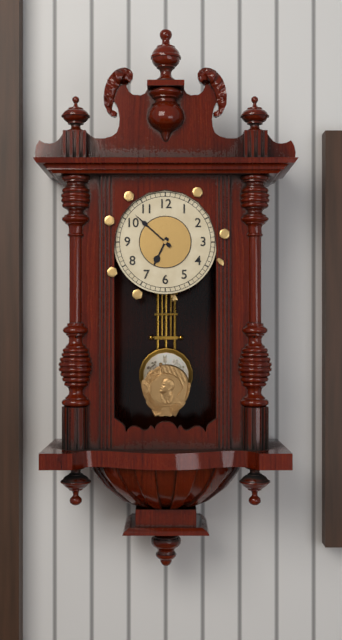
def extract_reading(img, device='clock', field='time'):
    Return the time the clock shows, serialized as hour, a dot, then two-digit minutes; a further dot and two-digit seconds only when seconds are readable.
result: 6.52
